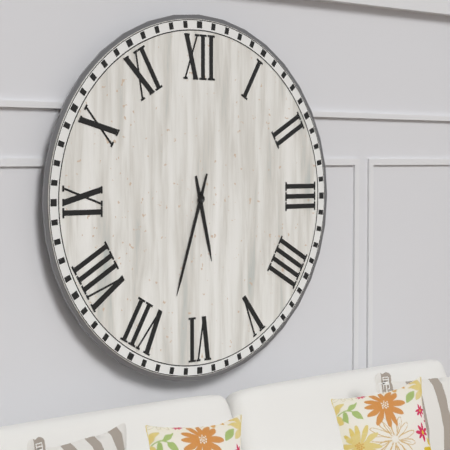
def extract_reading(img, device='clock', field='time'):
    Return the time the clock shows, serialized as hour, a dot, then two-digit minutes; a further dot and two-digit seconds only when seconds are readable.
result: 5.33
